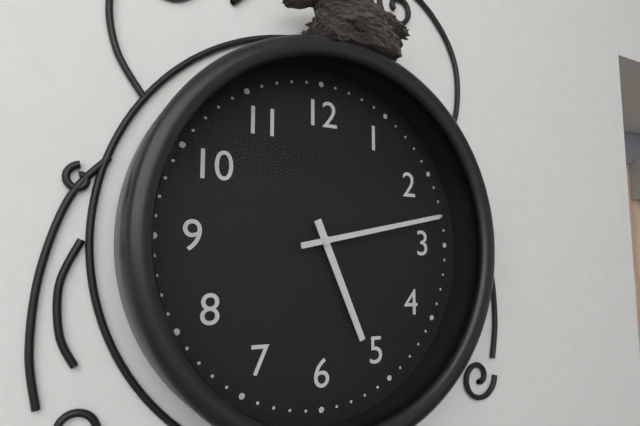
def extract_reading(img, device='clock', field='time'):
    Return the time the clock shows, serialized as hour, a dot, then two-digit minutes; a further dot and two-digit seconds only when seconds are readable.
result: 5.13
